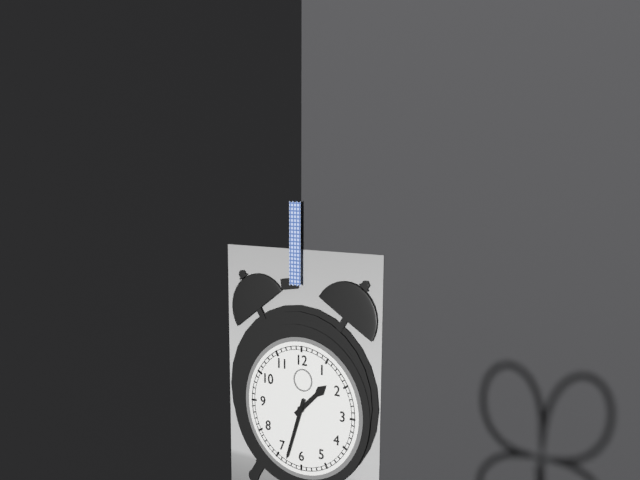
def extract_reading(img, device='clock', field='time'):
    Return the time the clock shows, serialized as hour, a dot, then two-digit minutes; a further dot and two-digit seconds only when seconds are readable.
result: 1.33
